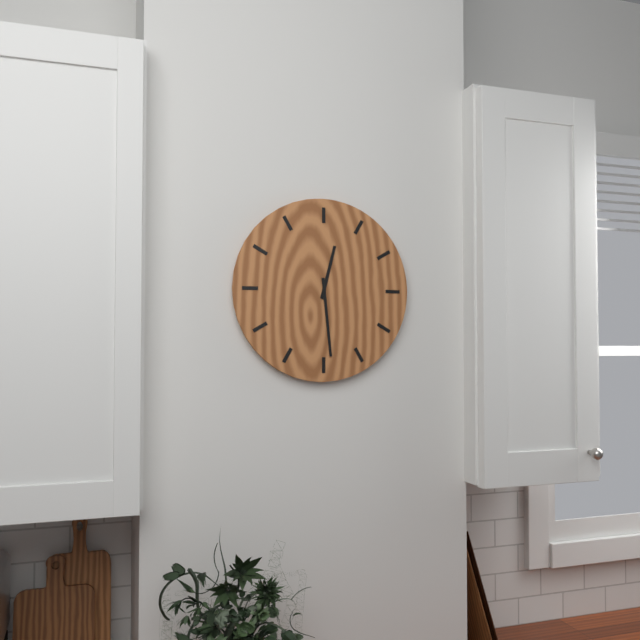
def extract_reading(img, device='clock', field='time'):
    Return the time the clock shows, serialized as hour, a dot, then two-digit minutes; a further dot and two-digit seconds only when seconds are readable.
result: 12.29
